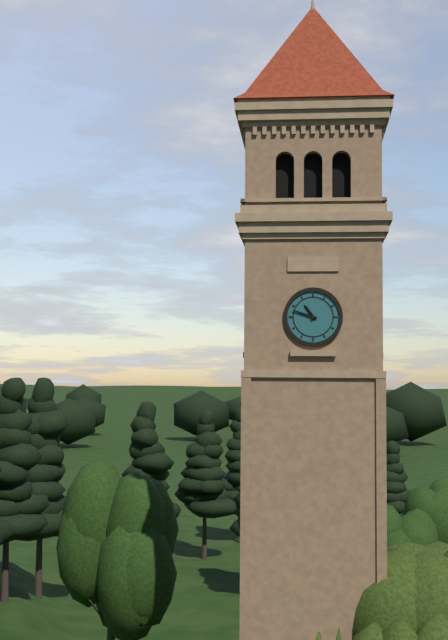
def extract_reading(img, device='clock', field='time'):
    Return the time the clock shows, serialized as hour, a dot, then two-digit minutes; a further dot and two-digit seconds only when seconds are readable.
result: 10.48
